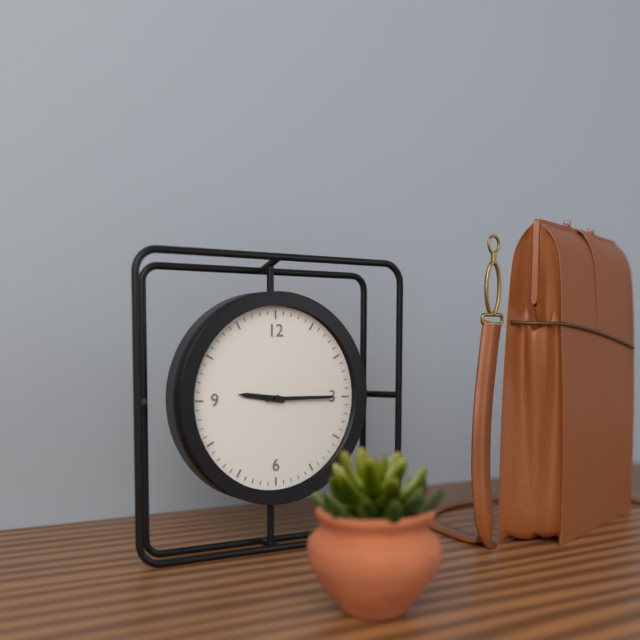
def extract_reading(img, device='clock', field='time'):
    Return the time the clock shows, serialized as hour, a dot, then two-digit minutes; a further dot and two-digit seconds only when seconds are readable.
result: 9.15
